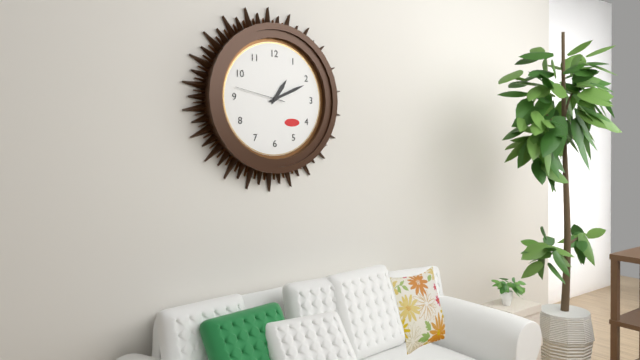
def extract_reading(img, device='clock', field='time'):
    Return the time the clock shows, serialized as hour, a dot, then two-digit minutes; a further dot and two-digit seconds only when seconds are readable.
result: 1.11.47
